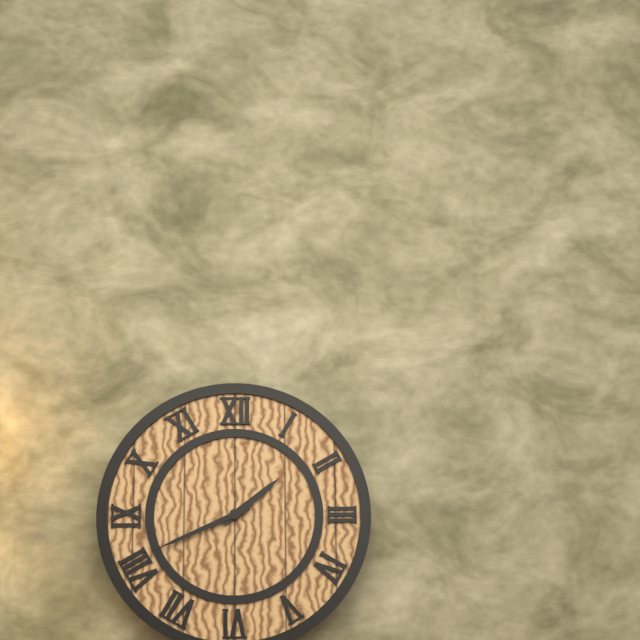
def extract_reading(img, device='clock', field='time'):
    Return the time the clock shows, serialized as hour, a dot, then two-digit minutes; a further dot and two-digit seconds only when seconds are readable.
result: 1.41
